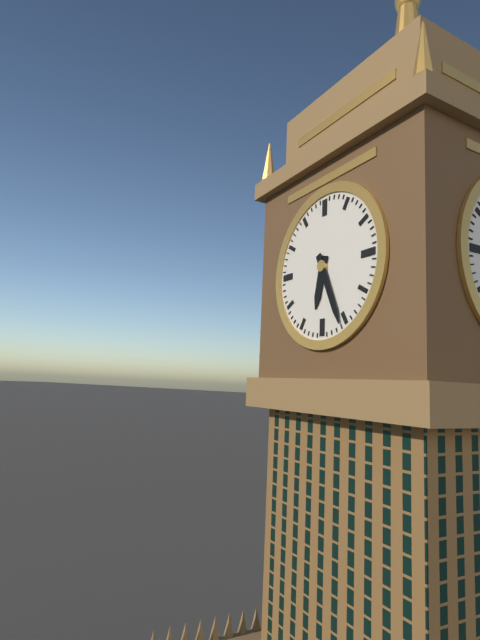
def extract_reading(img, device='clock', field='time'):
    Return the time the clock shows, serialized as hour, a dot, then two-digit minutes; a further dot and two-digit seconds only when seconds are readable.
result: 6.26
